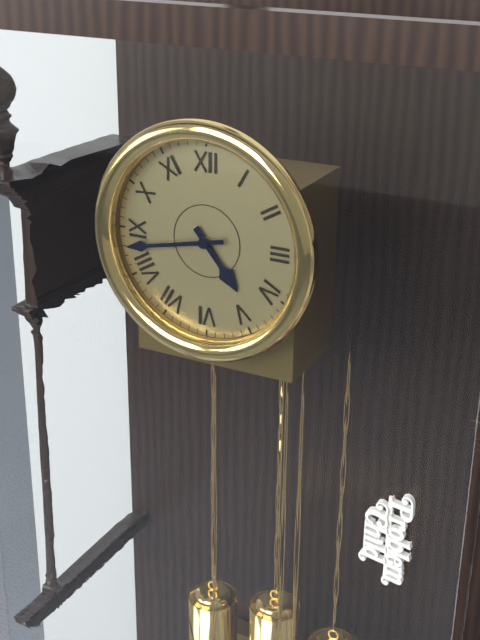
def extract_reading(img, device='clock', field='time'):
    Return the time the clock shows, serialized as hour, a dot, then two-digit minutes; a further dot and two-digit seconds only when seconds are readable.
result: 4.43
